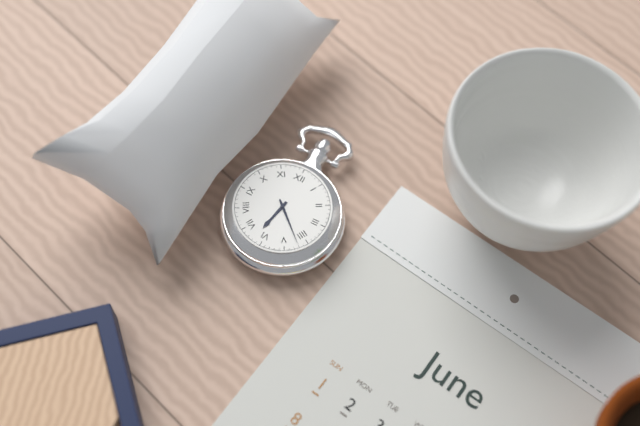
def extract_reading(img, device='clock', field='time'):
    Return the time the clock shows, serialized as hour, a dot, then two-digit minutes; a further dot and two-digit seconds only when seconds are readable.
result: 6.22
